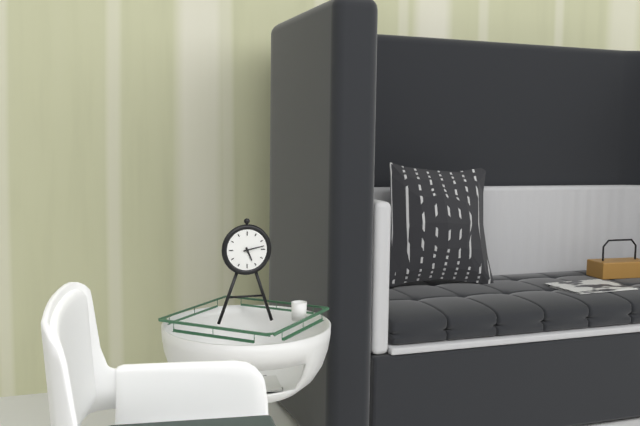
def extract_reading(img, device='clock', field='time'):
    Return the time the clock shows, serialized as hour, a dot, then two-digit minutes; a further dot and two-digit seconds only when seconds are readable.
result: 5.13
